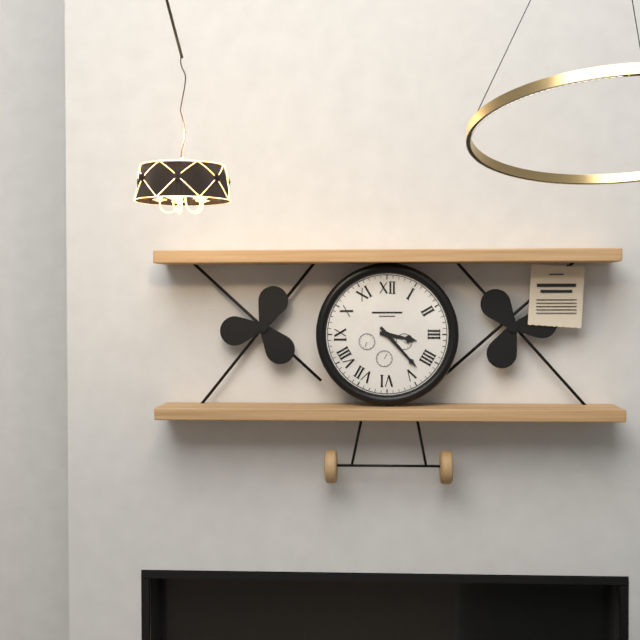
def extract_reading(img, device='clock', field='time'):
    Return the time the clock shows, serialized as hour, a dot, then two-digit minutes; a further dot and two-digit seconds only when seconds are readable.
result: 3.23
